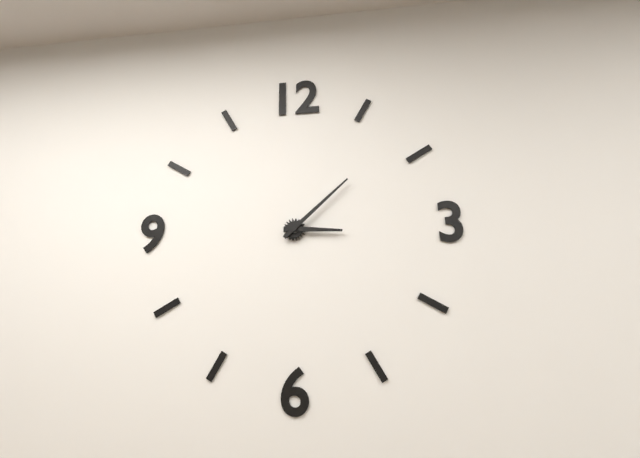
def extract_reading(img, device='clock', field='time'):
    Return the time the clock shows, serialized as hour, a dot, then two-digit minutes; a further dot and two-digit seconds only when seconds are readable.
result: 3.08
